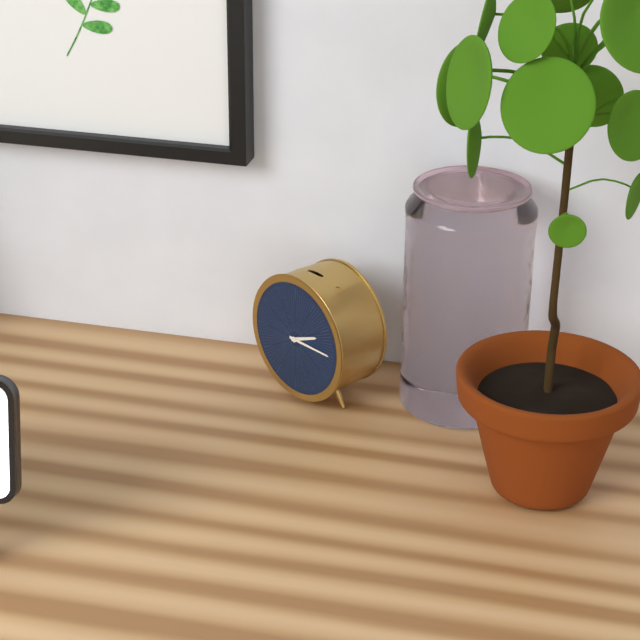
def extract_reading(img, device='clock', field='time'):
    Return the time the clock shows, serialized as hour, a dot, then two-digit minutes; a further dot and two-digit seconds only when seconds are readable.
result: 2.15
